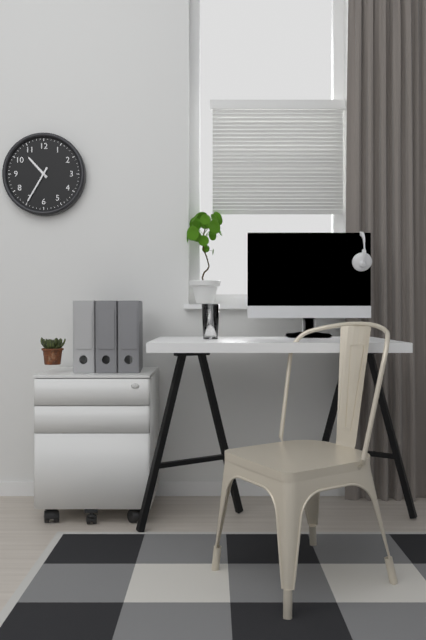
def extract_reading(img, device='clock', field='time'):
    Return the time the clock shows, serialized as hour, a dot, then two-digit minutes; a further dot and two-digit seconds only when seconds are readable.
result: 10.35
